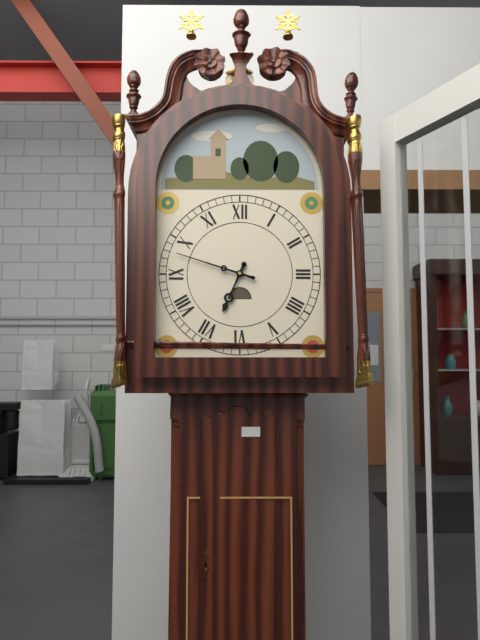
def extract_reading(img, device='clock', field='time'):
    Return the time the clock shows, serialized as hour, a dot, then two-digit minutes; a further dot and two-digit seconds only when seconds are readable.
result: 6.48
